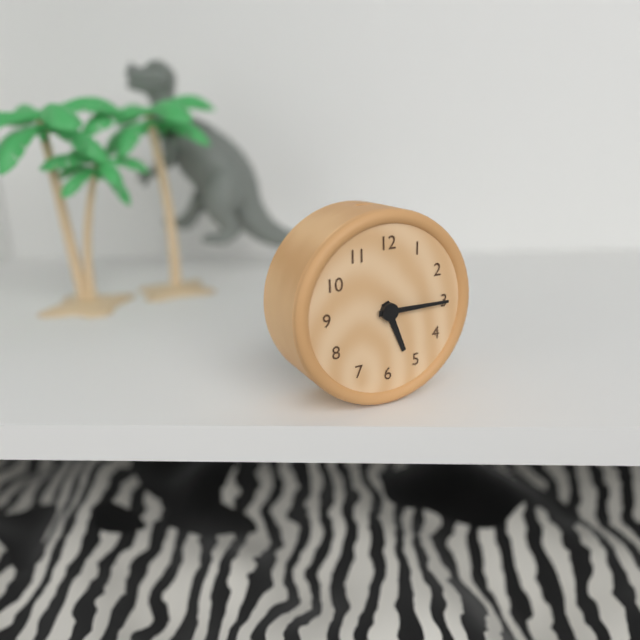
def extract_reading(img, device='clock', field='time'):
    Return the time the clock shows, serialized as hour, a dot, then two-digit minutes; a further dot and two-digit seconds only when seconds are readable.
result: 5.15
